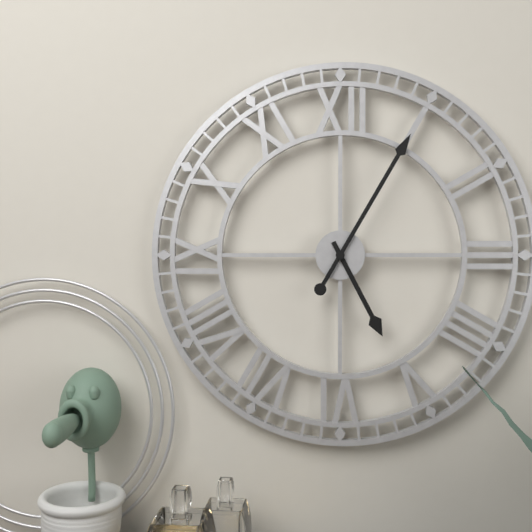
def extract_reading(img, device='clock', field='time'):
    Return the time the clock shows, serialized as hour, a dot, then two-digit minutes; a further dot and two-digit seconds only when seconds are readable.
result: 5.05
